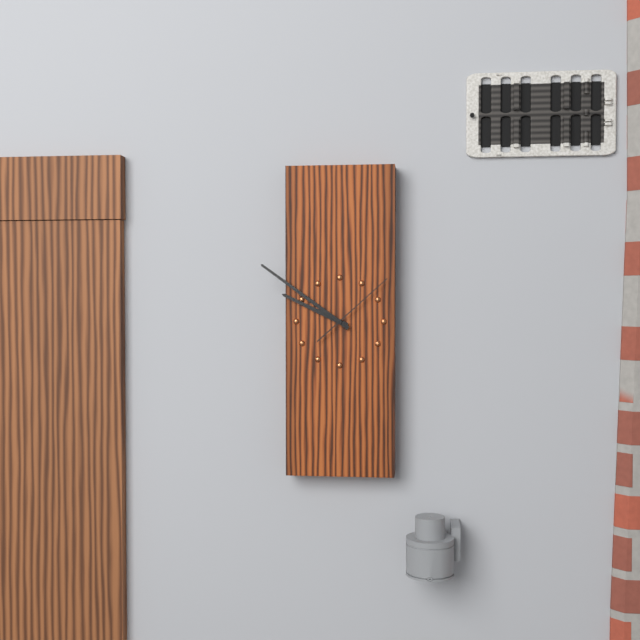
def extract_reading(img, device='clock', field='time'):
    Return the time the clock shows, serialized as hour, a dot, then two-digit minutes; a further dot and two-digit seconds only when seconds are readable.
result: 9.51.08
